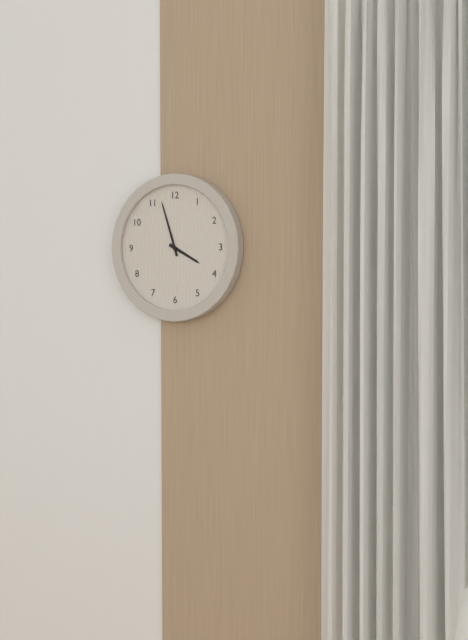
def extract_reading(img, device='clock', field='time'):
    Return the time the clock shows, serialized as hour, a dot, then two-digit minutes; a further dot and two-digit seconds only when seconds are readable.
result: 3.57
